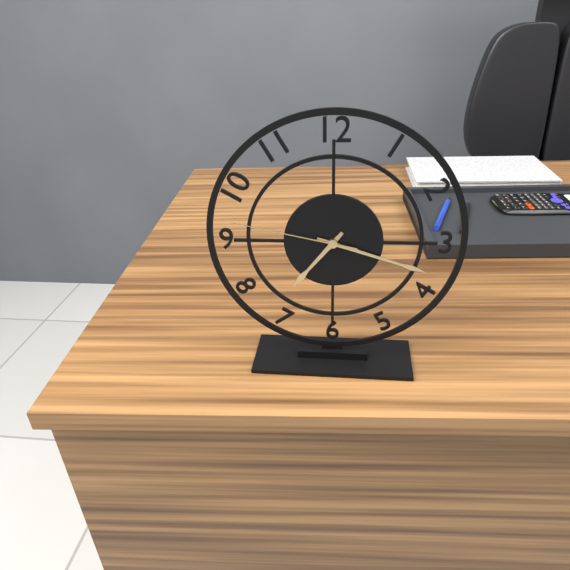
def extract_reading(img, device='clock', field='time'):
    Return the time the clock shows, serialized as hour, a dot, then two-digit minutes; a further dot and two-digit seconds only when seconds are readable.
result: 7.18.47
